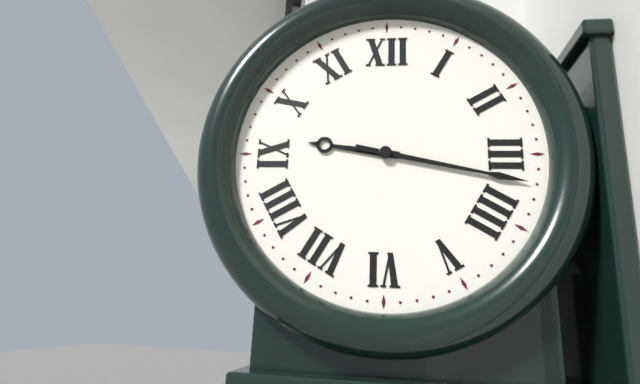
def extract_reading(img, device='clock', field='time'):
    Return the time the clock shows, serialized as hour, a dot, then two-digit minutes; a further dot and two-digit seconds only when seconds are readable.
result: 9.17
